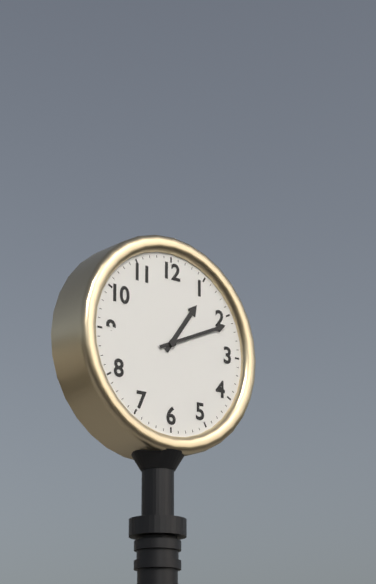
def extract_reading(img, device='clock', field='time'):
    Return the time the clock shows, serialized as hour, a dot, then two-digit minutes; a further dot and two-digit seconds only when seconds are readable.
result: 1.11
